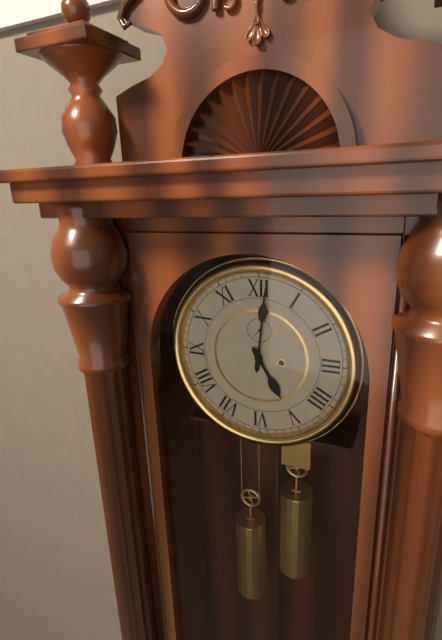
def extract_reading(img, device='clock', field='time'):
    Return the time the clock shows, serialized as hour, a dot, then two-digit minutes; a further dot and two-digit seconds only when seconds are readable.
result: 5.01
